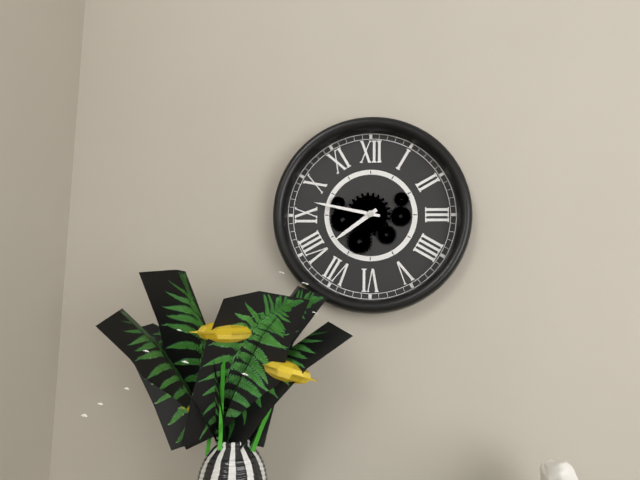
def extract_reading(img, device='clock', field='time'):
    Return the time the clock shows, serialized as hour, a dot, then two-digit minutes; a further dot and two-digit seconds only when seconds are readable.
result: 7.47
